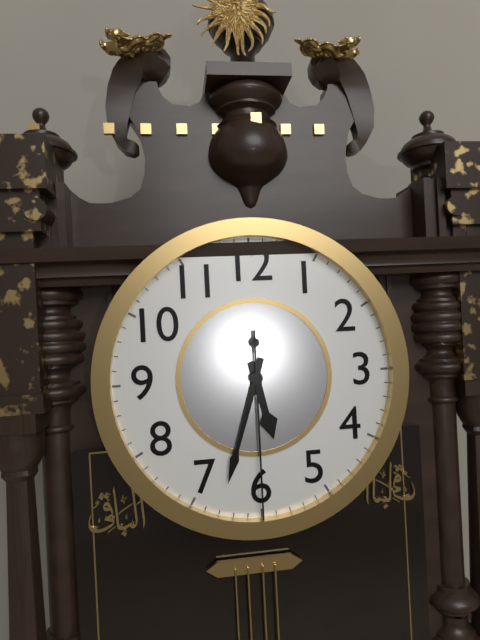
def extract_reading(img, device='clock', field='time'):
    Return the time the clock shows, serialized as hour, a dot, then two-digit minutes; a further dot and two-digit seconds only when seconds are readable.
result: 5.33.30
